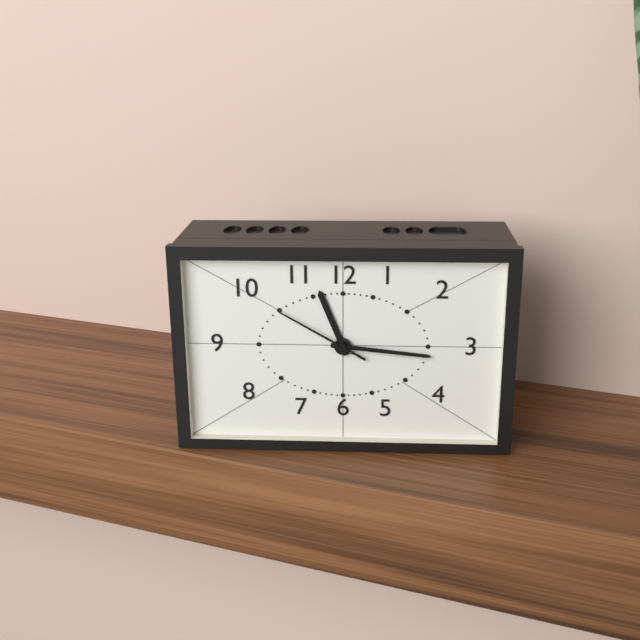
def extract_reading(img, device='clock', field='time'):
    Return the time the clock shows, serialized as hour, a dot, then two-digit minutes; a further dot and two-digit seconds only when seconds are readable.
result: 11.16.50
